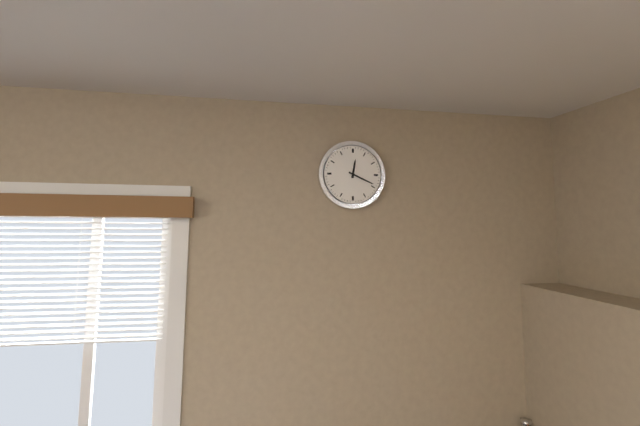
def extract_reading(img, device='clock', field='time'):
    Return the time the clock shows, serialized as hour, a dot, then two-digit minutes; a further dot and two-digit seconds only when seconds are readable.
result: 12.19
